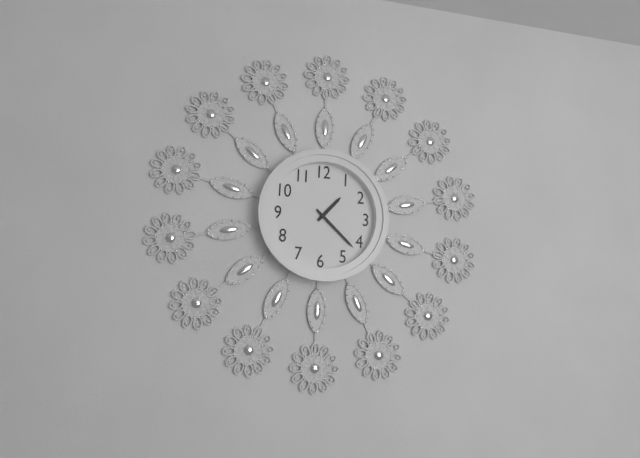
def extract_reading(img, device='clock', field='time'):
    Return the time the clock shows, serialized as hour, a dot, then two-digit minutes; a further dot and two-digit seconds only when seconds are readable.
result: 1.22
